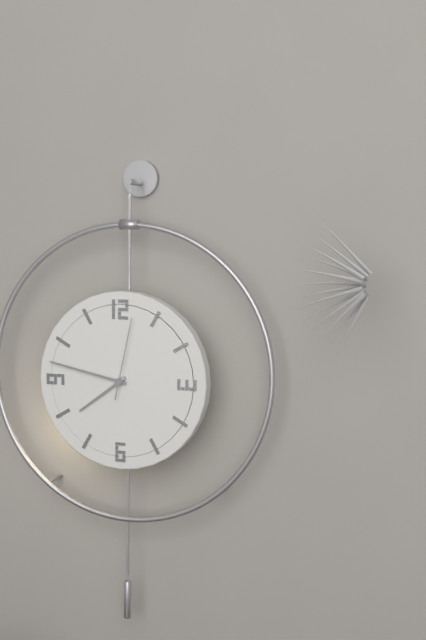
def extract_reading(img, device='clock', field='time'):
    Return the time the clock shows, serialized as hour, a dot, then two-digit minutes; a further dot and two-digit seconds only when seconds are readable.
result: 7.47.02
